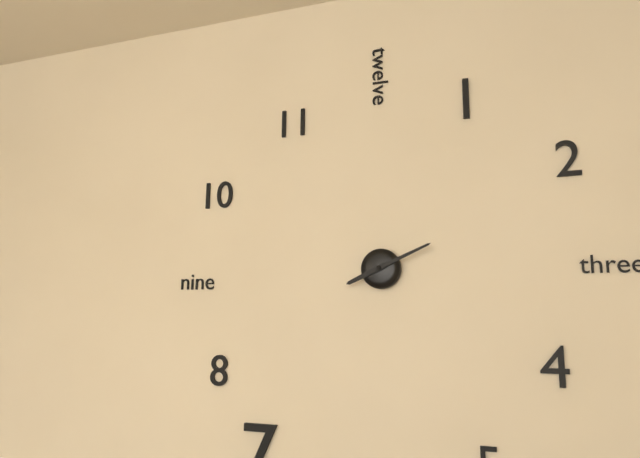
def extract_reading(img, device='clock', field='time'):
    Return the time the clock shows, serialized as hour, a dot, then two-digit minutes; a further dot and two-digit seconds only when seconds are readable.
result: 8.11
